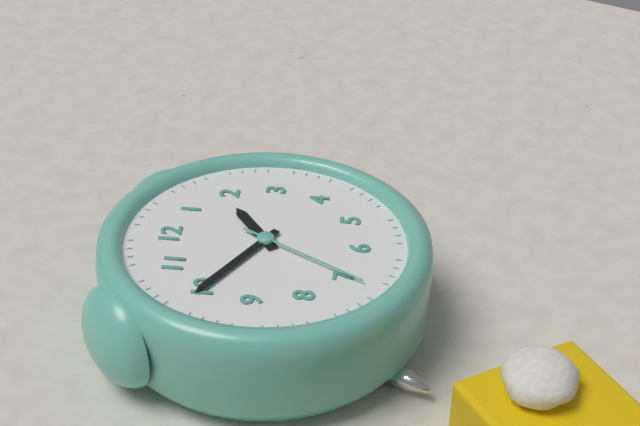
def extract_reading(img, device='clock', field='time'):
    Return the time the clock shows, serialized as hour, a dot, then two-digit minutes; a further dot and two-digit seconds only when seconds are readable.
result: 1.50.35
